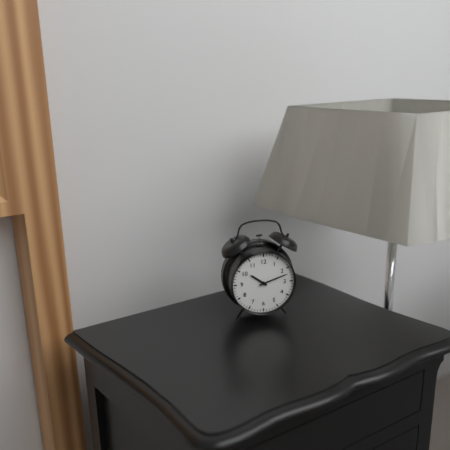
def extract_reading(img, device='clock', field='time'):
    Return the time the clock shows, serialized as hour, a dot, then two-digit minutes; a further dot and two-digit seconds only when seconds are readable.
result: 10.12
